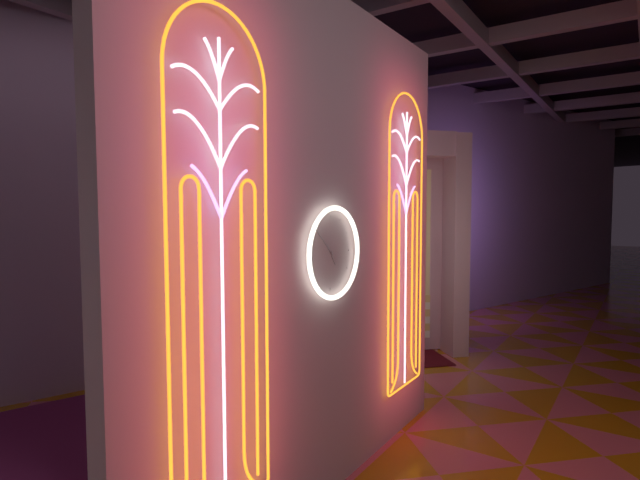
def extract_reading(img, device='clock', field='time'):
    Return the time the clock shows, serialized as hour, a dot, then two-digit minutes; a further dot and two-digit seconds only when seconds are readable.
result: 4.52
